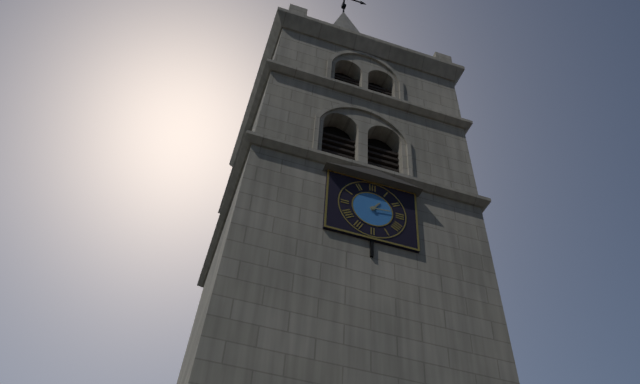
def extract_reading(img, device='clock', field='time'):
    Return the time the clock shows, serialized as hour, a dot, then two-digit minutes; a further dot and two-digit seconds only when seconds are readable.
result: 1.14
